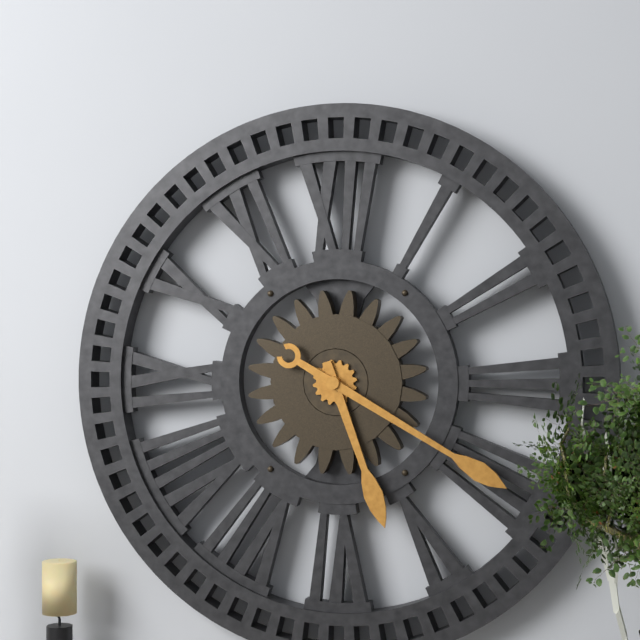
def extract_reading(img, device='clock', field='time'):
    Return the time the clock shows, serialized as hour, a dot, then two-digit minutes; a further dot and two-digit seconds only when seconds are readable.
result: 5.20
